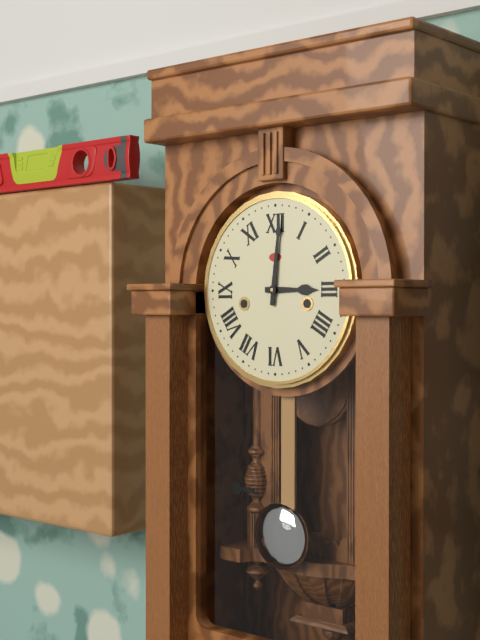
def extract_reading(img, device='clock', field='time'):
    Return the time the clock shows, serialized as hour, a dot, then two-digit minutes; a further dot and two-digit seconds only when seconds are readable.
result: 3.01
